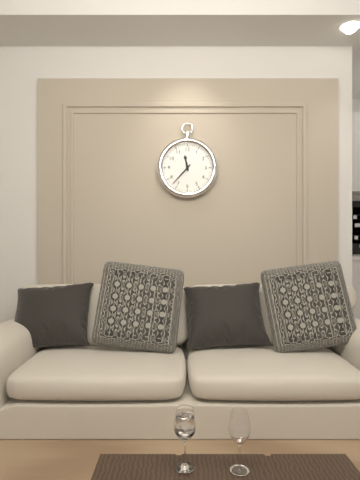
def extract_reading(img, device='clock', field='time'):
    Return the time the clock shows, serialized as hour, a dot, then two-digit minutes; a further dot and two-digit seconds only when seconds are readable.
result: 11.37
